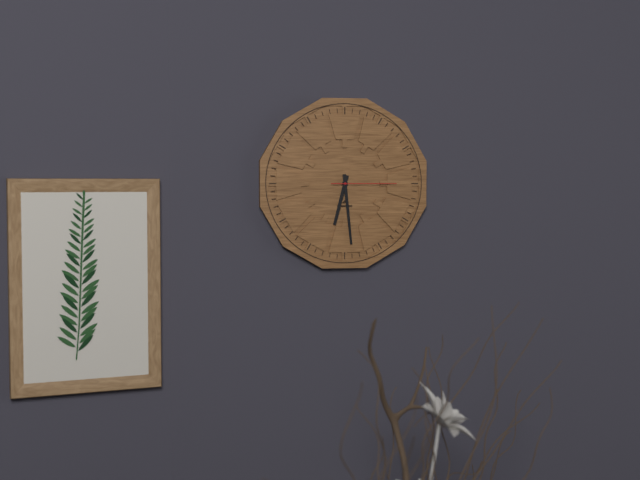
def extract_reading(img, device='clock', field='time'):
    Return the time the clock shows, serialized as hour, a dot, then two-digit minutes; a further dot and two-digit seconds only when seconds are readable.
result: 6.29.15
